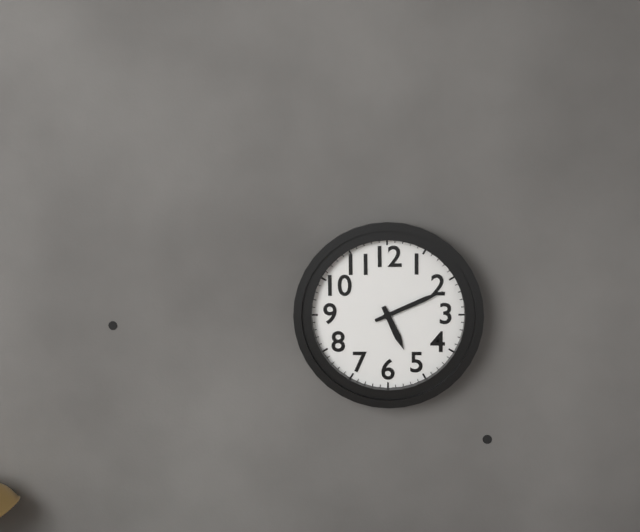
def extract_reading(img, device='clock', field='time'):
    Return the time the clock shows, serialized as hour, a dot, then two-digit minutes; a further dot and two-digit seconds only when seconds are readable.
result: 5.11
